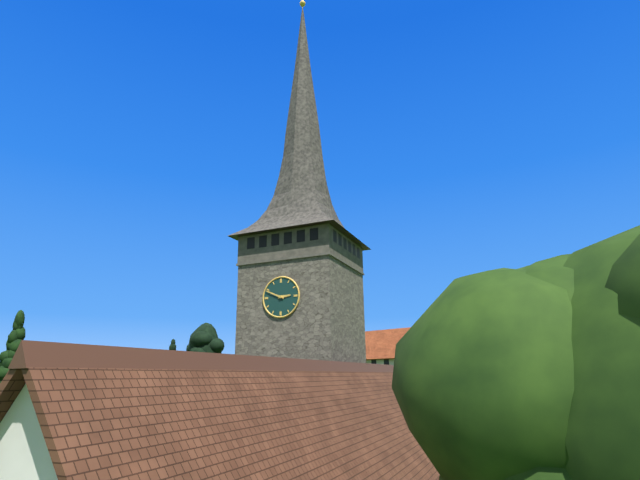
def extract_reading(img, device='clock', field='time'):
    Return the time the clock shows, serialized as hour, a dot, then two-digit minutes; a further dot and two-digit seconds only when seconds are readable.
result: 2.49
